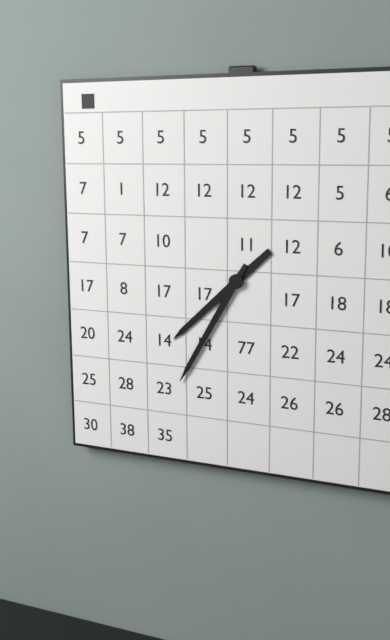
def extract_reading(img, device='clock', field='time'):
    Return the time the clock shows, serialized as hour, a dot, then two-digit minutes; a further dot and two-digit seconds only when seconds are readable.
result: 7.35
